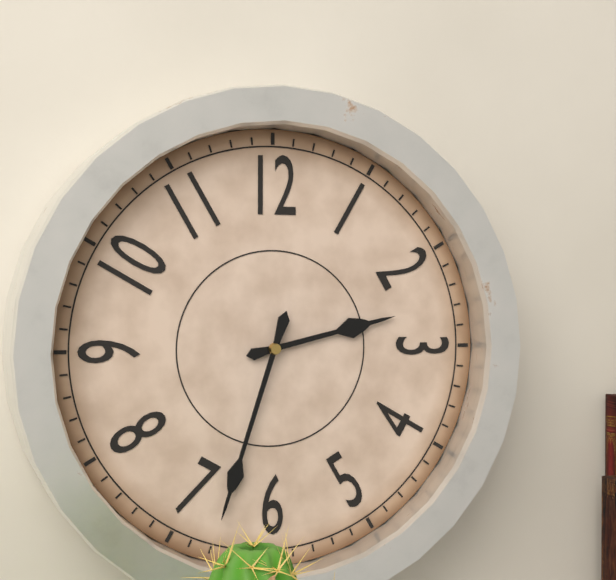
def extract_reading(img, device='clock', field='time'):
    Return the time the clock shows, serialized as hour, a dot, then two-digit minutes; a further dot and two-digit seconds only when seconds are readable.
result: 2.33
